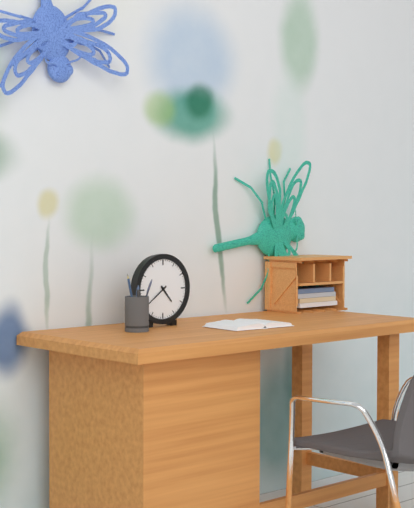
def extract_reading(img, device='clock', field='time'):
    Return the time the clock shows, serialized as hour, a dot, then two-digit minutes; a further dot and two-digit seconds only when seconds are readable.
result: 4.39
